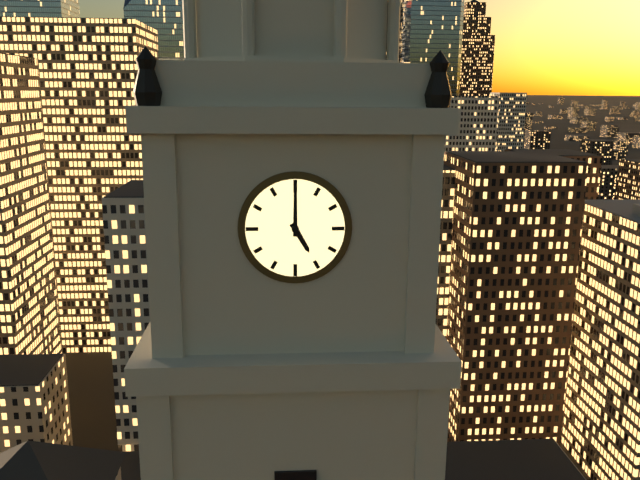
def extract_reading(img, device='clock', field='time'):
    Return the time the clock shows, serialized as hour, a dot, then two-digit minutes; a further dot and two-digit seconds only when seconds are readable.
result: 5.00
